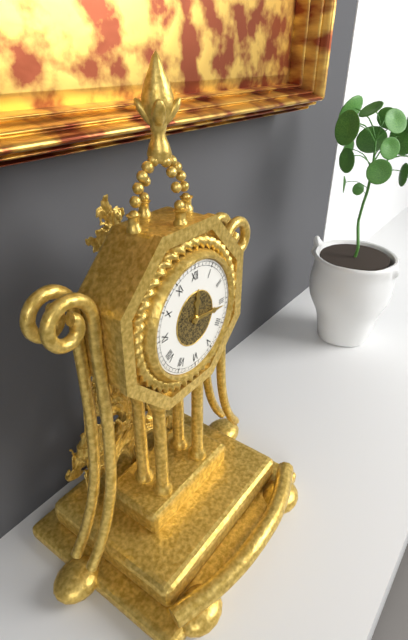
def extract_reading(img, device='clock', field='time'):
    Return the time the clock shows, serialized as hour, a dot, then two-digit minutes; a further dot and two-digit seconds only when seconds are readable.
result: 12.16
